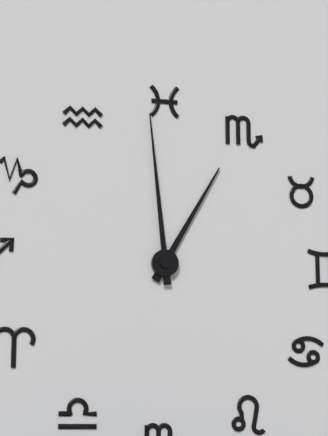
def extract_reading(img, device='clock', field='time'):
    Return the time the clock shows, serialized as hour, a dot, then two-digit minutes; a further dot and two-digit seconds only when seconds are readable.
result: 12.59
